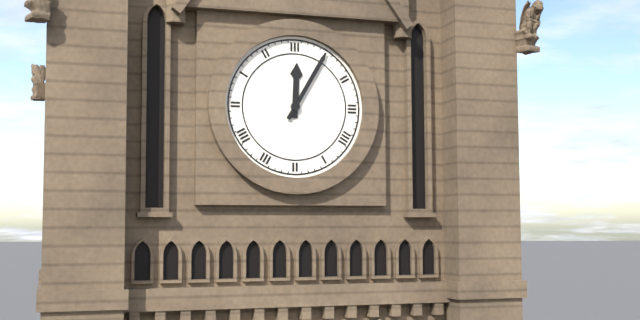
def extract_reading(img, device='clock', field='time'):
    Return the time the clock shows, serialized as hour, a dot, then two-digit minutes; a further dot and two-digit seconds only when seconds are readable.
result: 12.05
